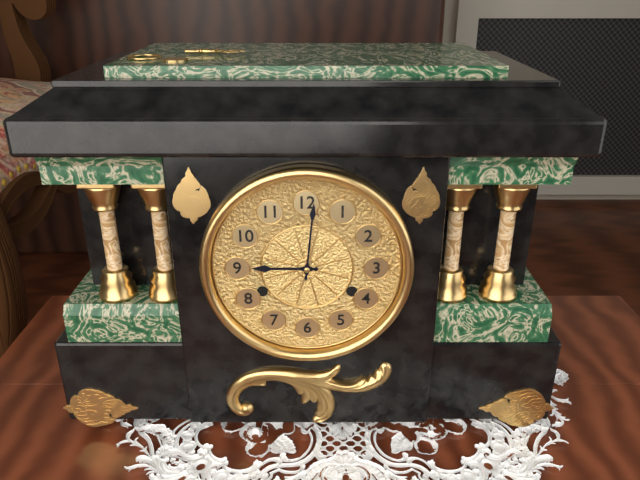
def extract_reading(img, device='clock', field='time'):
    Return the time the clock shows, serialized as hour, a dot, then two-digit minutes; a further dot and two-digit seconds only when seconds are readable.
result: 9.01
